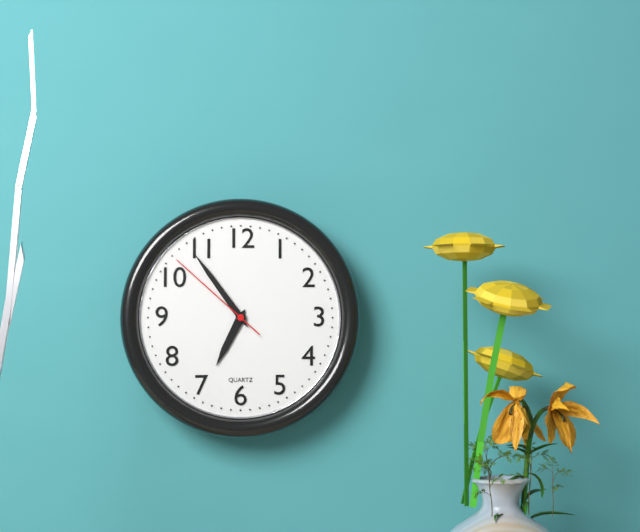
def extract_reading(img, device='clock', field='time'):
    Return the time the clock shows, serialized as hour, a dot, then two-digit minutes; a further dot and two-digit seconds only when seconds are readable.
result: 6.54.52
